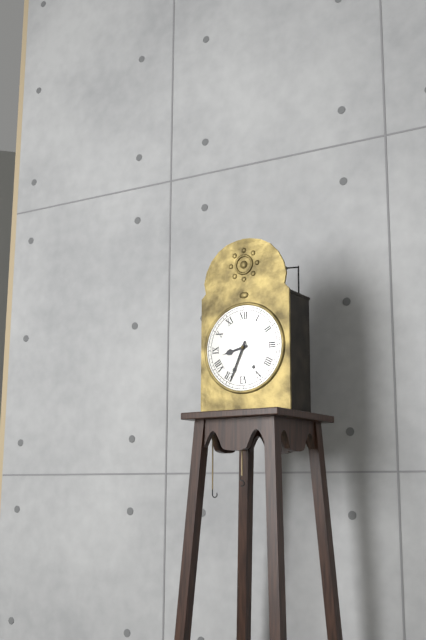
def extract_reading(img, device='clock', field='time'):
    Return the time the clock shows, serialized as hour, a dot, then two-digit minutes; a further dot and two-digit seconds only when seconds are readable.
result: 8.34
